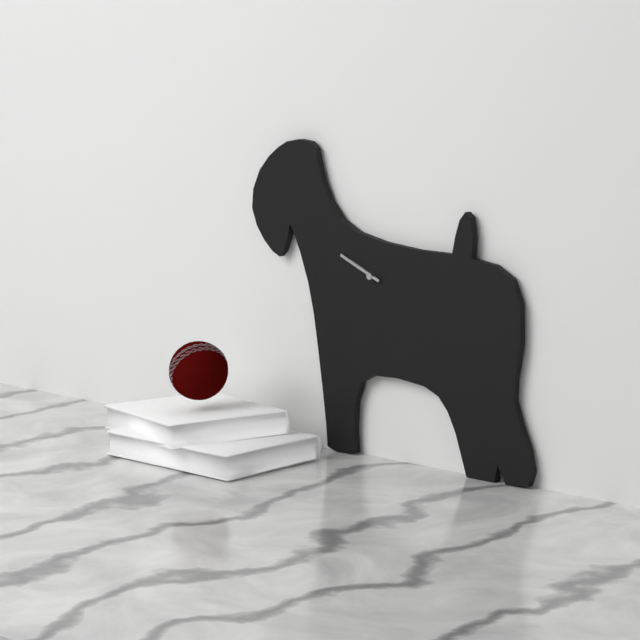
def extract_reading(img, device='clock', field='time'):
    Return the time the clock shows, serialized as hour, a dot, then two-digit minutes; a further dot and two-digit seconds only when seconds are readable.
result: 9.49
